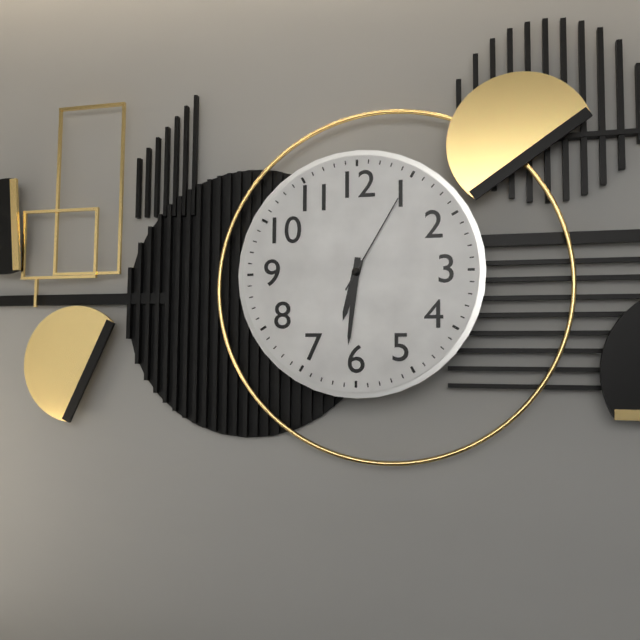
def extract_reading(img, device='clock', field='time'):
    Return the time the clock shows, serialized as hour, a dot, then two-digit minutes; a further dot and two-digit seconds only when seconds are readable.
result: 6.31.05
